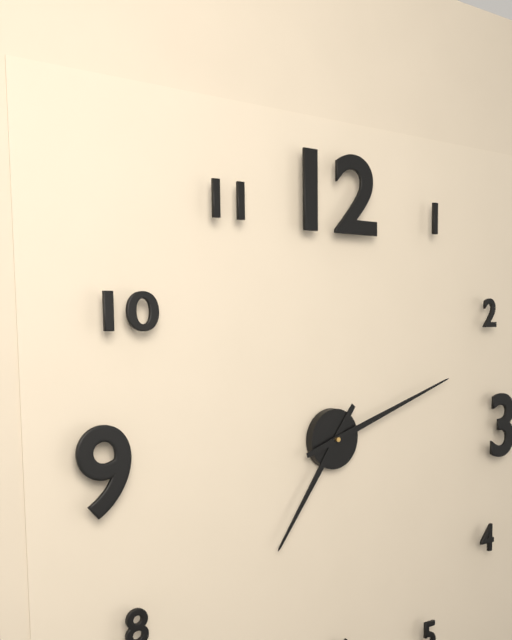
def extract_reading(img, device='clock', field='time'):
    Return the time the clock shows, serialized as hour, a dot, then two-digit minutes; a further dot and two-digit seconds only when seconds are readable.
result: 7.12
